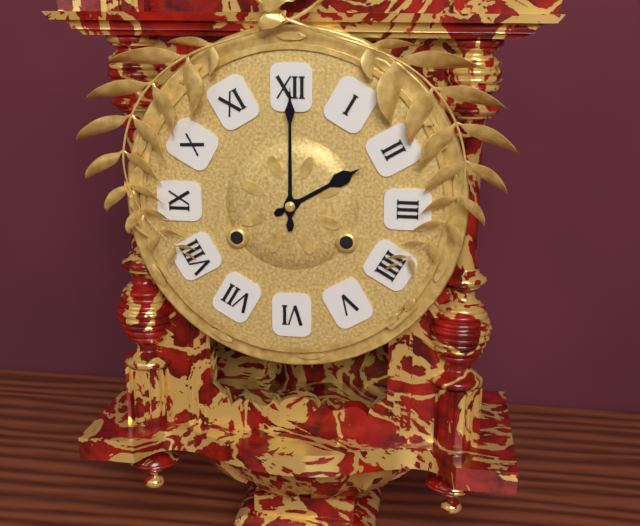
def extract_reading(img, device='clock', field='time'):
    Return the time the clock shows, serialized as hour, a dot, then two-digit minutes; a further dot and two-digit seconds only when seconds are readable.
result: 2.00
